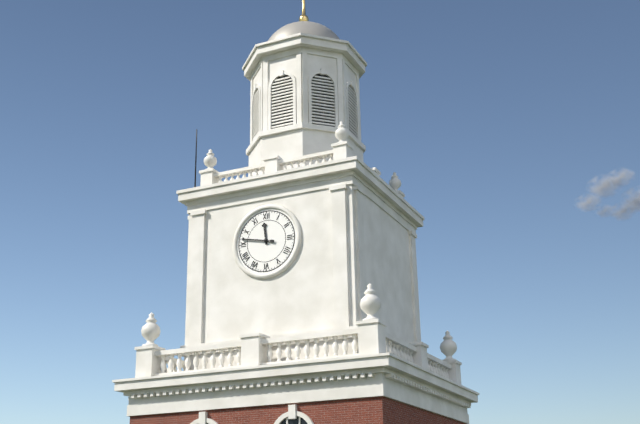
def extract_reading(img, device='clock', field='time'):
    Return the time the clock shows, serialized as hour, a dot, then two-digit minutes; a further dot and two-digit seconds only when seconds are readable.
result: 11.47
